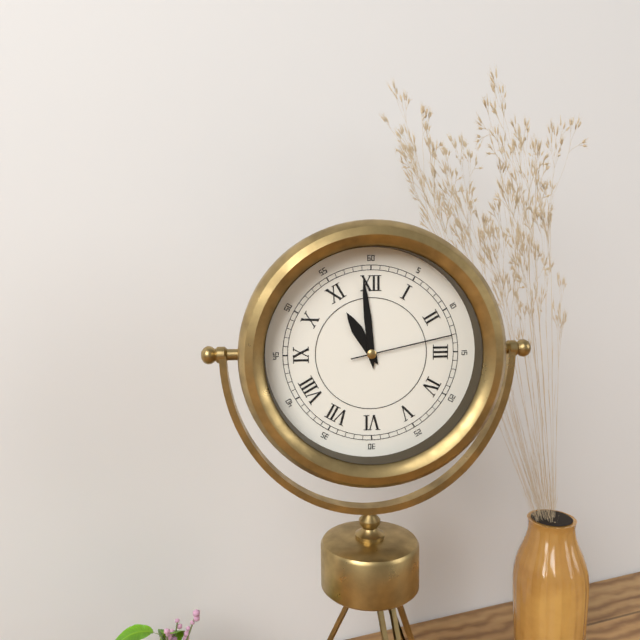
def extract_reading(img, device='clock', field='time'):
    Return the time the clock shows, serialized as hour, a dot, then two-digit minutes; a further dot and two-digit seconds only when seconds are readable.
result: 10.59.13
